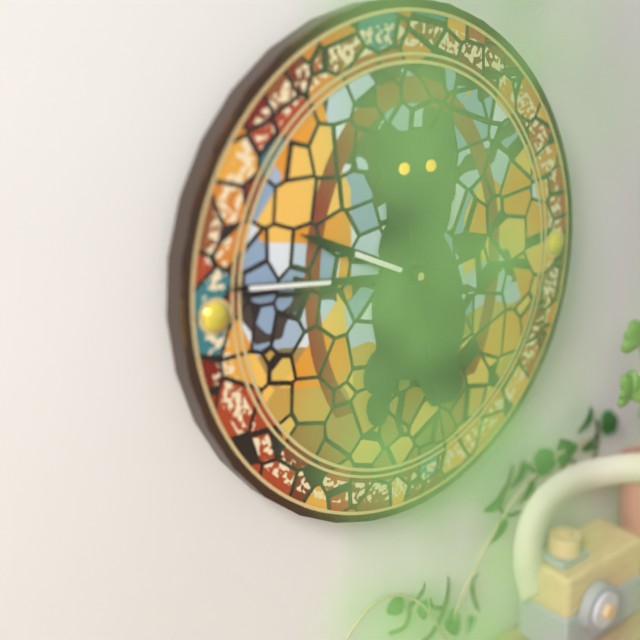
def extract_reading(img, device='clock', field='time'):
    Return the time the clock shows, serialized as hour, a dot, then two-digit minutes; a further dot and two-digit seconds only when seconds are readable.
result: 9.46.28
